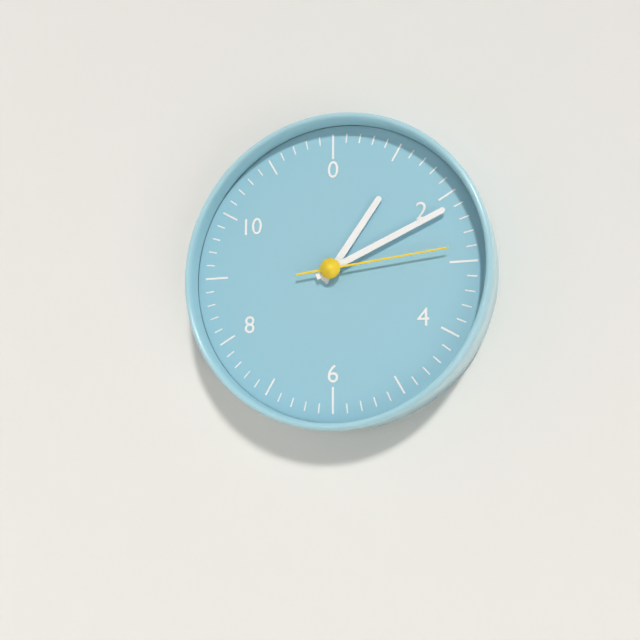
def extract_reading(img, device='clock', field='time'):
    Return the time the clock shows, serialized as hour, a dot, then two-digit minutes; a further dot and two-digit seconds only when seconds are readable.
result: 1.11.14
